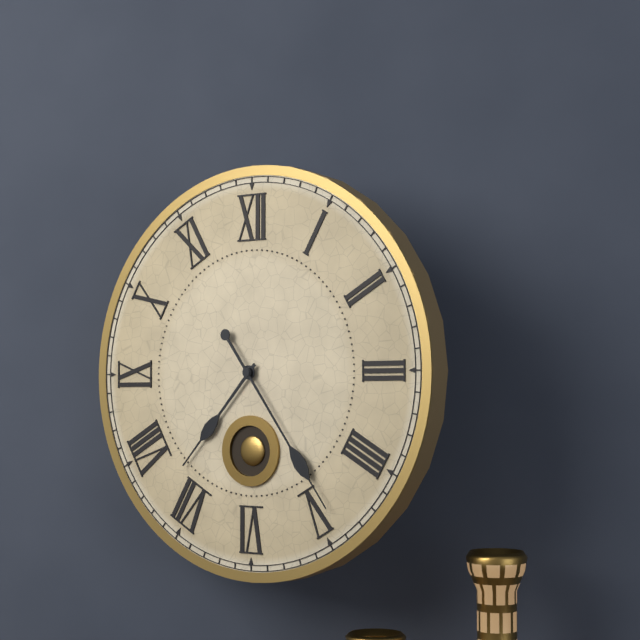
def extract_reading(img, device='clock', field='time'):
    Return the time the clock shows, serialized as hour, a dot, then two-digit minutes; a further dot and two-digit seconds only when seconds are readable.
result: 7.24
